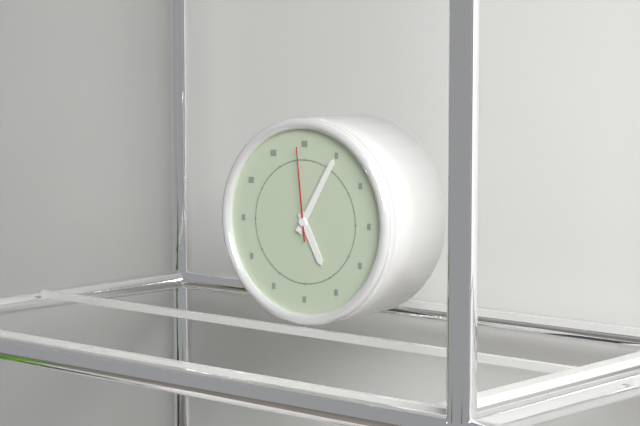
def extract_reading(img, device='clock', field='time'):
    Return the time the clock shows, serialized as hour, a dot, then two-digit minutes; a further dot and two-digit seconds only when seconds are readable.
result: 5.05.59
